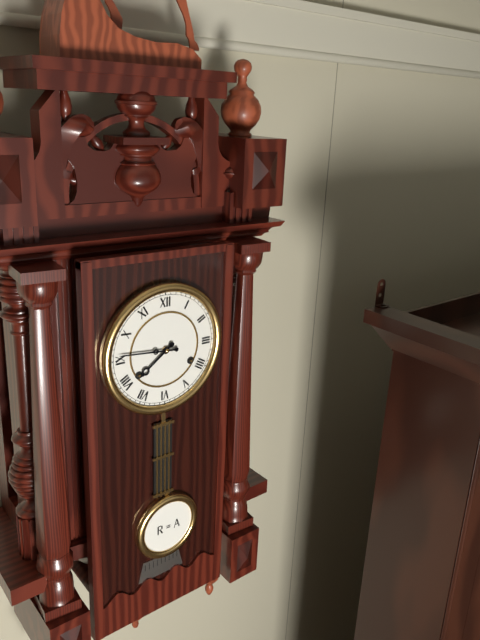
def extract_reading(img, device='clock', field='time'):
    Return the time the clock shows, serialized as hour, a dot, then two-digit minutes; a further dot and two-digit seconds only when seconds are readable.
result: 7.46
